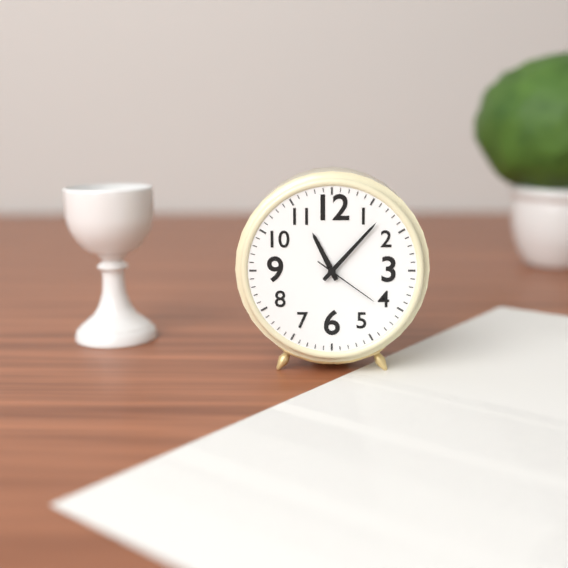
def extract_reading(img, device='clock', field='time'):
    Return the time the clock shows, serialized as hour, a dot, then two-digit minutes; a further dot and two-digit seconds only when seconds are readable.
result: 11.07.21
